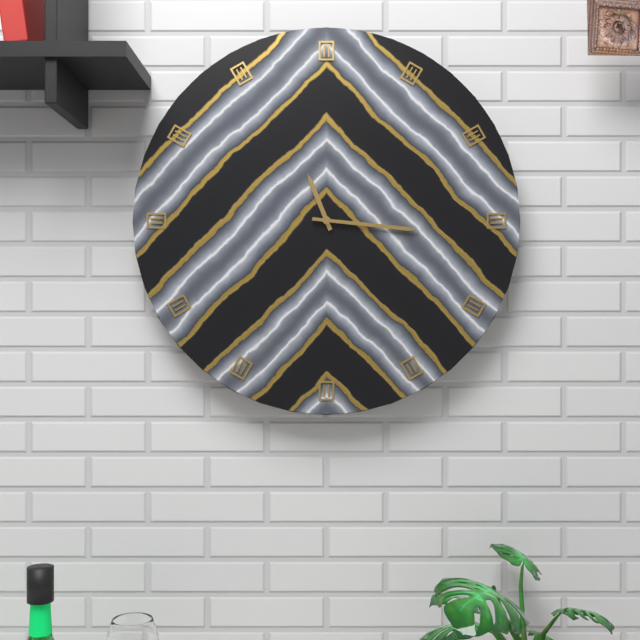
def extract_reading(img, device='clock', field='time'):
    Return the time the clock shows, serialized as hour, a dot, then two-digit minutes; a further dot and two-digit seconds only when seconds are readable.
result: 11.16
